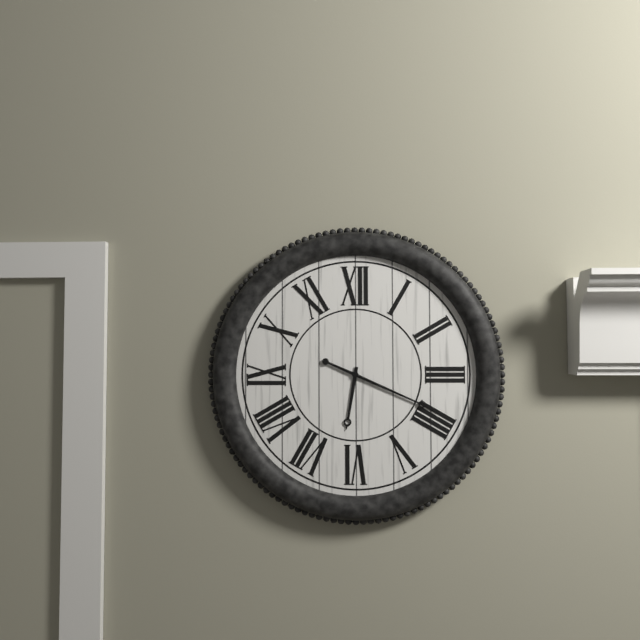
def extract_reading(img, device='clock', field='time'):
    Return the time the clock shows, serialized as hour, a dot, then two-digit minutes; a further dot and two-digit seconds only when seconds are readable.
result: 6.19
